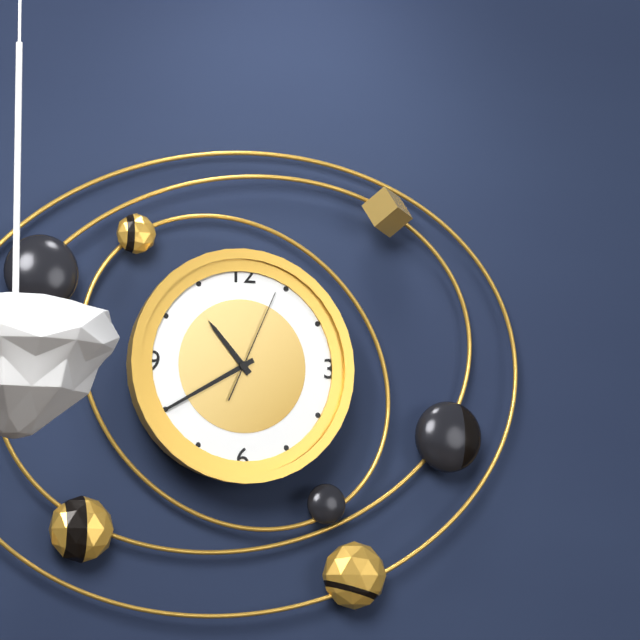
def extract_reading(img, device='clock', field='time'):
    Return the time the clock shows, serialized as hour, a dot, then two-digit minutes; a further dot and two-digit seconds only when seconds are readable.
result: 10.40.04
